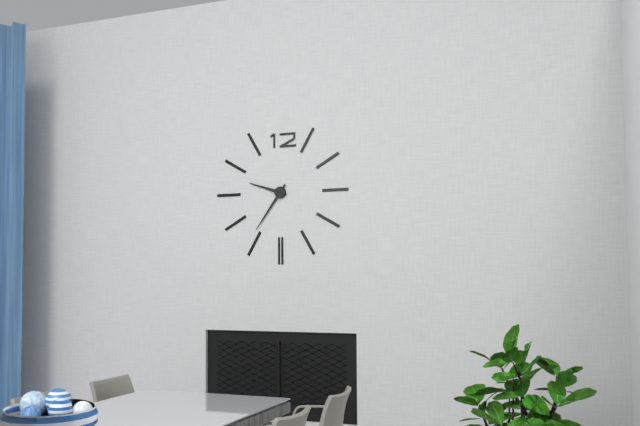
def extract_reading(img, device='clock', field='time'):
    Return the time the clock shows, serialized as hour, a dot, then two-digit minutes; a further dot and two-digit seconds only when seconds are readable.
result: 9.36
